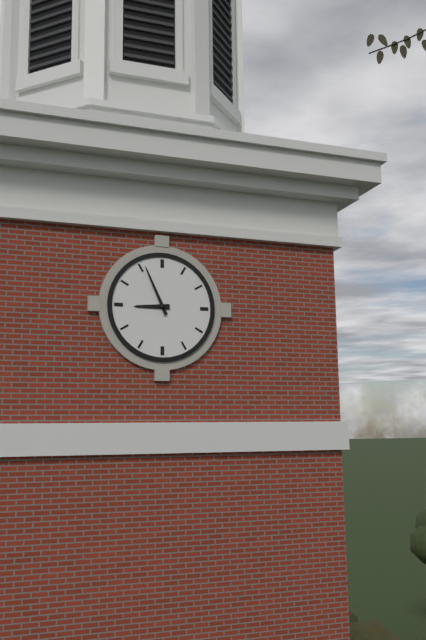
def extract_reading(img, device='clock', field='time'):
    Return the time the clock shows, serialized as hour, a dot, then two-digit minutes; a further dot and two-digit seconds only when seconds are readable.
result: 8.56
